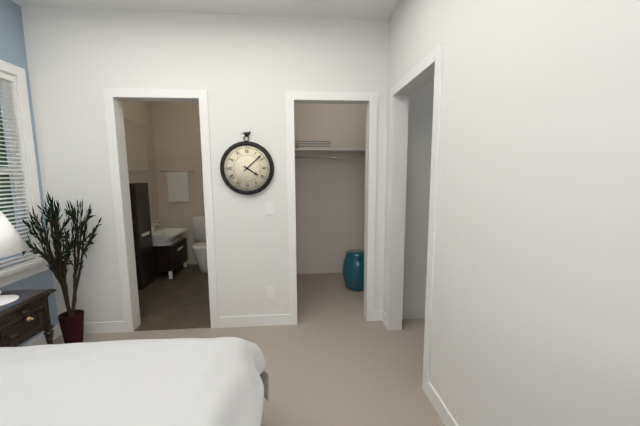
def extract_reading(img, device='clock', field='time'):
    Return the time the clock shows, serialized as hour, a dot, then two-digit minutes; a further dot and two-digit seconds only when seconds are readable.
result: 4.08
